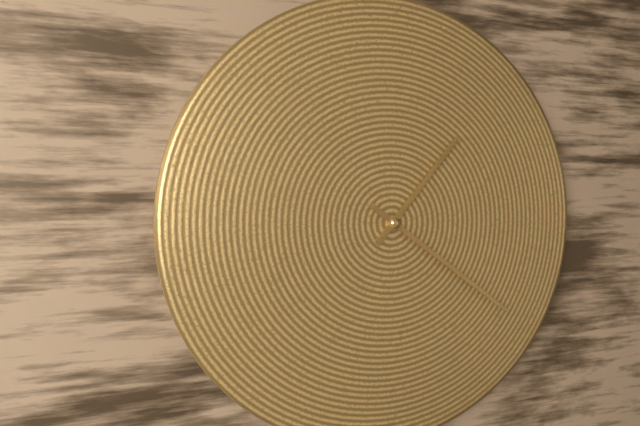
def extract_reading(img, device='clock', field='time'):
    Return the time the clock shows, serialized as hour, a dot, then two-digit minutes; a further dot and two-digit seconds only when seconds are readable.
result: 1.21
